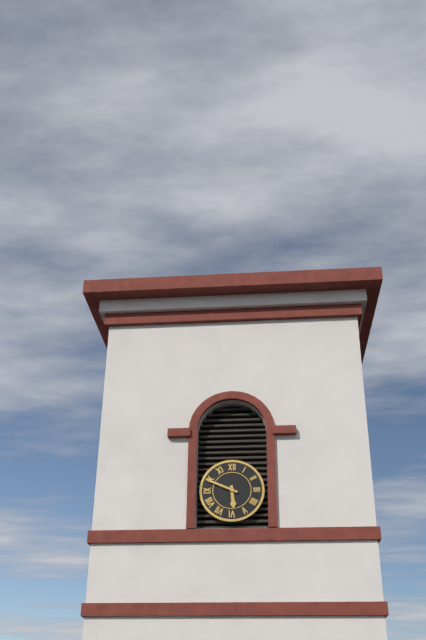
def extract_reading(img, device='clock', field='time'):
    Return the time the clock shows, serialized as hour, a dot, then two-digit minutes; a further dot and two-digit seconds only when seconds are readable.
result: 5.49
